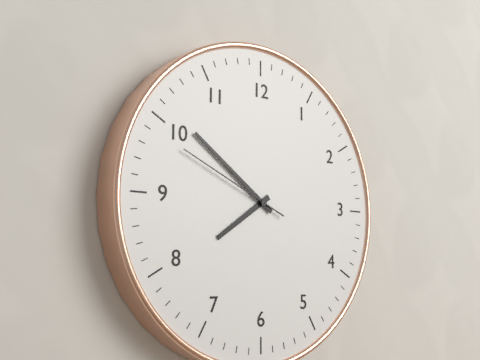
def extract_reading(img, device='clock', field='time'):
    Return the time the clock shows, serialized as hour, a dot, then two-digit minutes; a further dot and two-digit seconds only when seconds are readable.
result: 7.51.49
